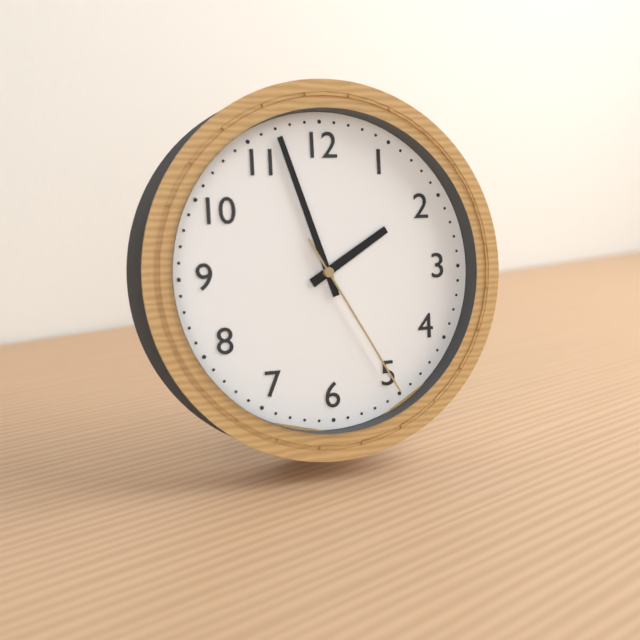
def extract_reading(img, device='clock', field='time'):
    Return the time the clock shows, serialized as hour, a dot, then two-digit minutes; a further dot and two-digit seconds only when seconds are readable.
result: 1.57.25
